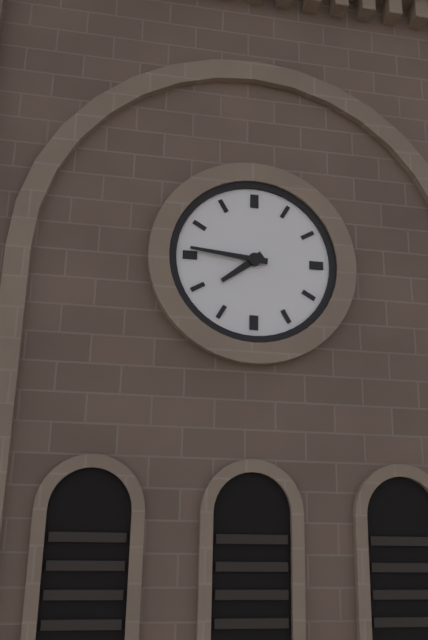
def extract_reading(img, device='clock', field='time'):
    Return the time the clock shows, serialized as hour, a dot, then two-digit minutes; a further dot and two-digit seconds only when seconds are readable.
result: 7.46
